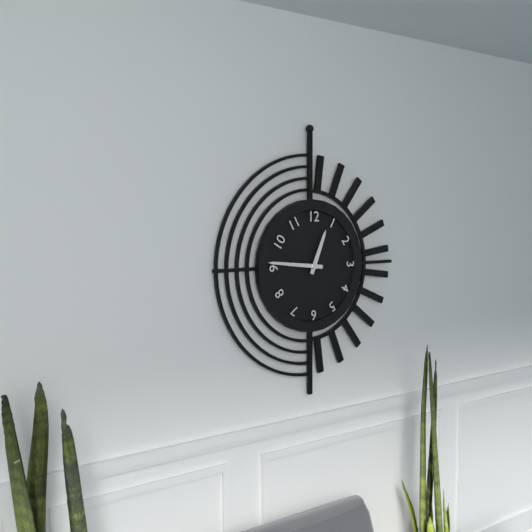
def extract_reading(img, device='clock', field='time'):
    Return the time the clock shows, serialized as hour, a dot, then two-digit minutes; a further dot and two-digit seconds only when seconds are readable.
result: 12.46
